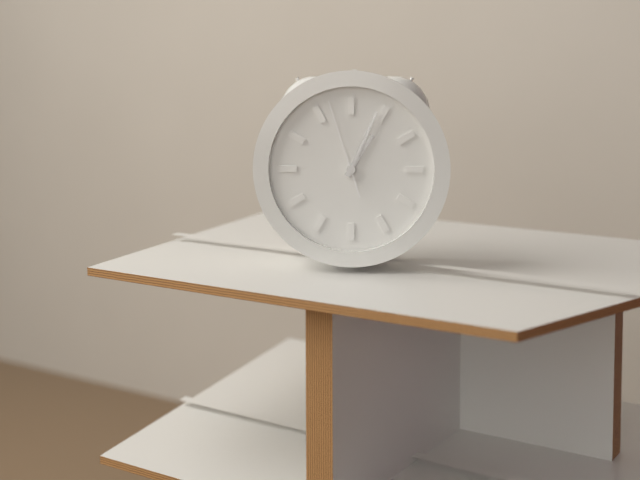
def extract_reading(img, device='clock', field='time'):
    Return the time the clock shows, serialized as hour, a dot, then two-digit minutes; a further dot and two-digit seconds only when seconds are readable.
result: 1.04.57
